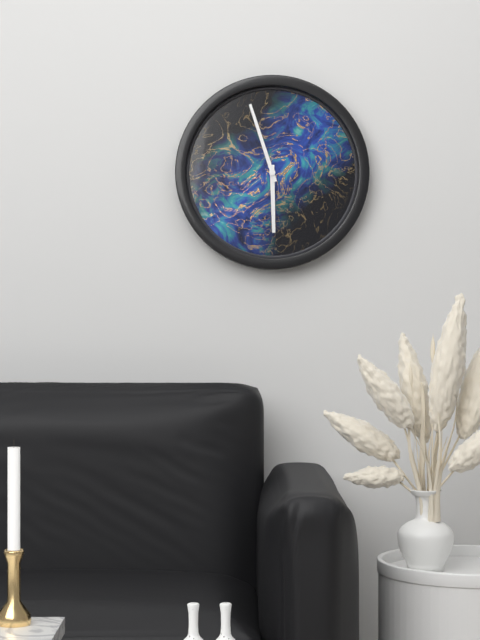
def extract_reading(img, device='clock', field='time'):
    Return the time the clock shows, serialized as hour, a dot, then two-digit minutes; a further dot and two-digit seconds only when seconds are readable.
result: 5.57
